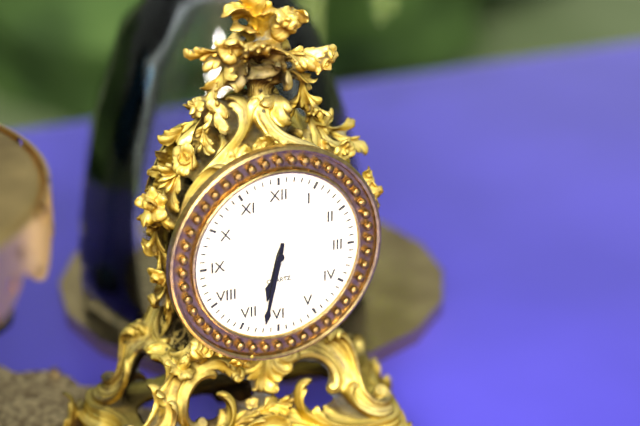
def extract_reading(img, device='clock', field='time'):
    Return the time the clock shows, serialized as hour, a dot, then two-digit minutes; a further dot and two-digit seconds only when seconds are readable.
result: 6.32
